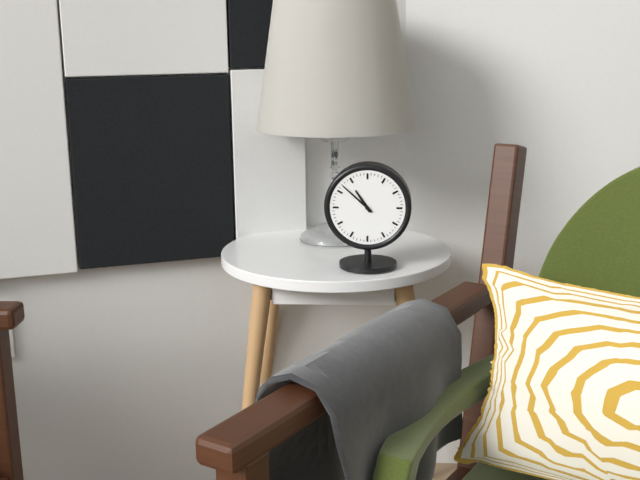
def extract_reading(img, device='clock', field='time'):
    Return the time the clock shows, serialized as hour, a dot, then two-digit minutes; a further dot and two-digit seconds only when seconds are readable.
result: 10.52
